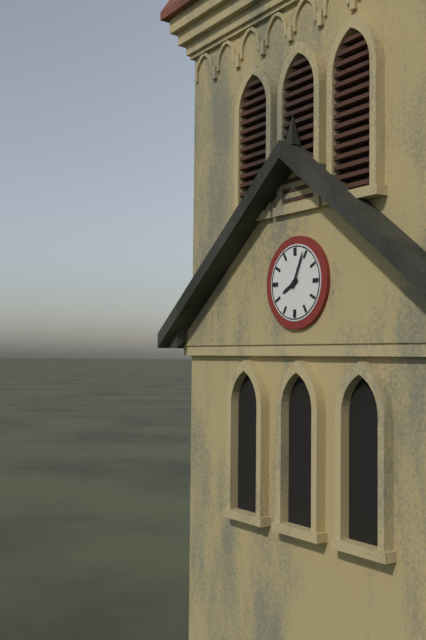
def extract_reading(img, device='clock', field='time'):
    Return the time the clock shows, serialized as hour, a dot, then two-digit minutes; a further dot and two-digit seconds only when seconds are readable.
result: 8.04
